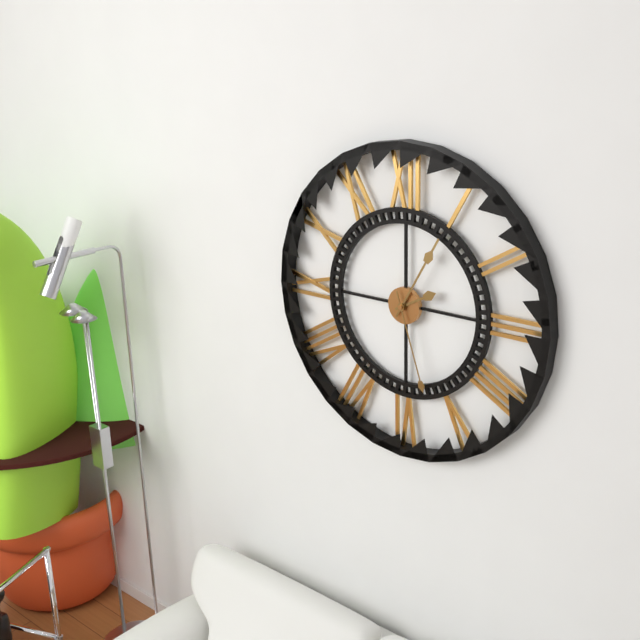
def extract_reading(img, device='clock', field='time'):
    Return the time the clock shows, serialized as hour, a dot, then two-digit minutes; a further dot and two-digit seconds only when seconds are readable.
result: 2.05.27
